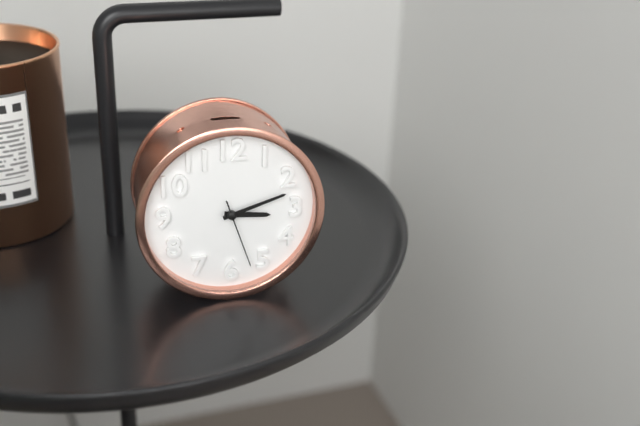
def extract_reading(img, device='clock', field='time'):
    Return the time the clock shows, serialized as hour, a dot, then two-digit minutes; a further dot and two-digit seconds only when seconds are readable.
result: 3.12.27
